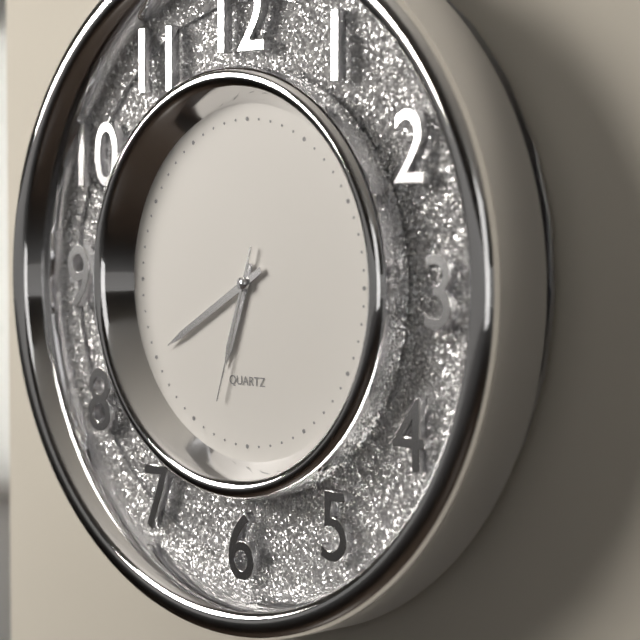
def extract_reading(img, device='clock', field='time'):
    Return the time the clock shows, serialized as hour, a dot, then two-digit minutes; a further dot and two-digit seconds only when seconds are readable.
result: 6.40.33
